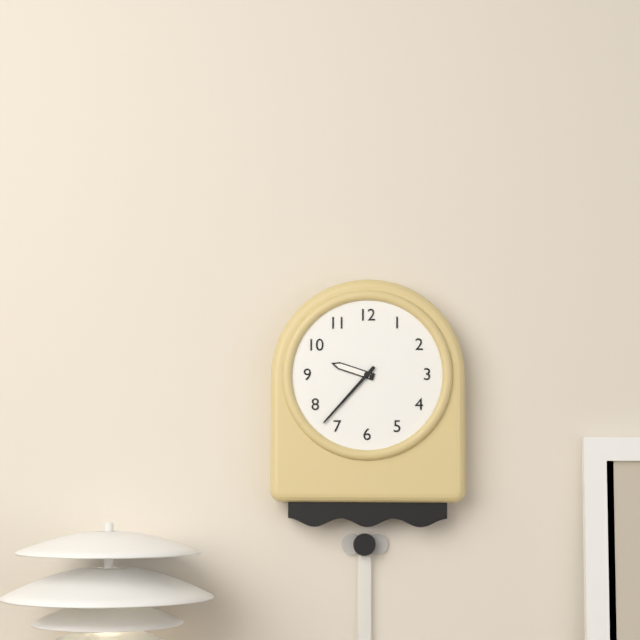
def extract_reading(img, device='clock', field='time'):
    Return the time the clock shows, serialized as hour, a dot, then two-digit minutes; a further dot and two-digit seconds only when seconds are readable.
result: 9.37
